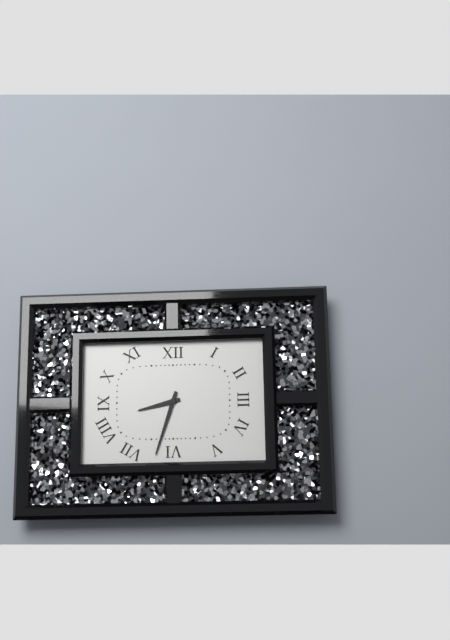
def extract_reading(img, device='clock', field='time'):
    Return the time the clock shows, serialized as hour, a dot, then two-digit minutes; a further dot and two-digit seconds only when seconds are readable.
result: 8.33
